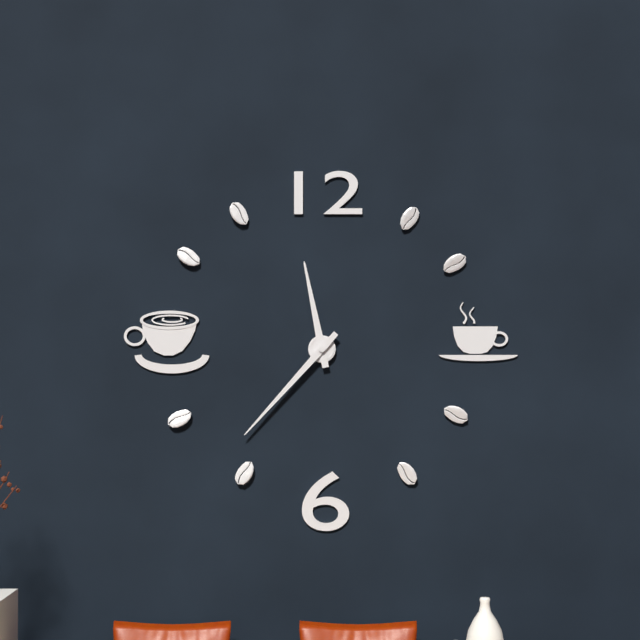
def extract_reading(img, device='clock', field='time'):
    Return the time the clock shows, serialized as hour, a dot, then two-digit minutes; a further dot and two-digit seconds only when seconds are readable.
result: 11.37
